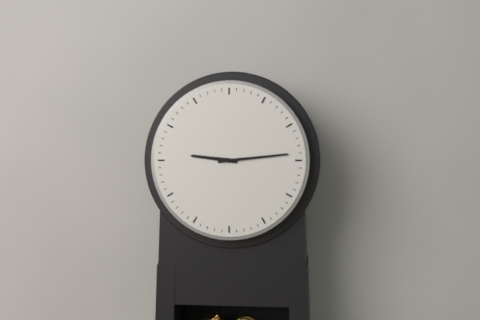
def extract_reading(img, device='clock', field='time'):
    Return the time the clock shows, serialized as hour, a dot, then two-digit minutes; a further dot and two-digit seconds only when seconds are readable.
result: 9.14
